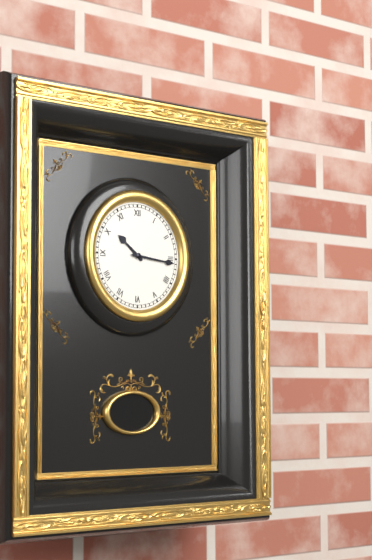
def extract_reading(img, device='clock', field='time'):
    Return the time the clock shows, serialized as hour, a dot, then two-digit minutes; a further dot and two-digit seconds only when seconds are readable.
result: 10.16
